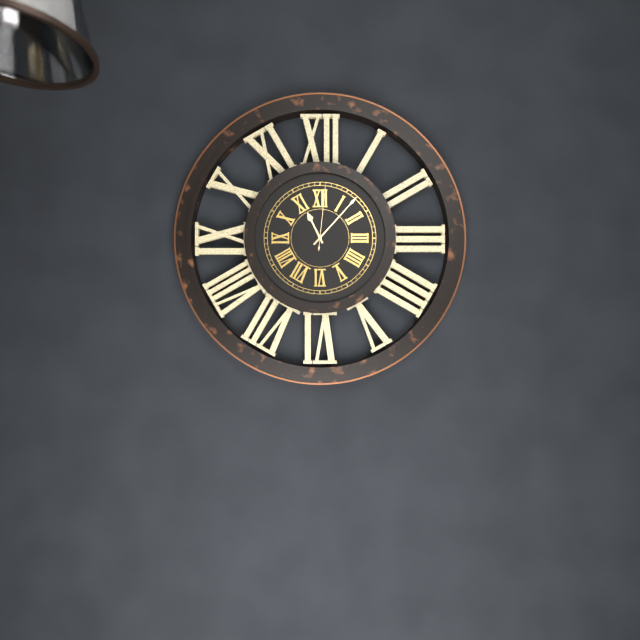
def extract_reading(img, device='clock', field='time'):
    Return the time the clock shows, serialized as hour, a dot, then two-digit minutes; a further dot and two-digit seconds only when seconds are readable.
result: 11.07.01
